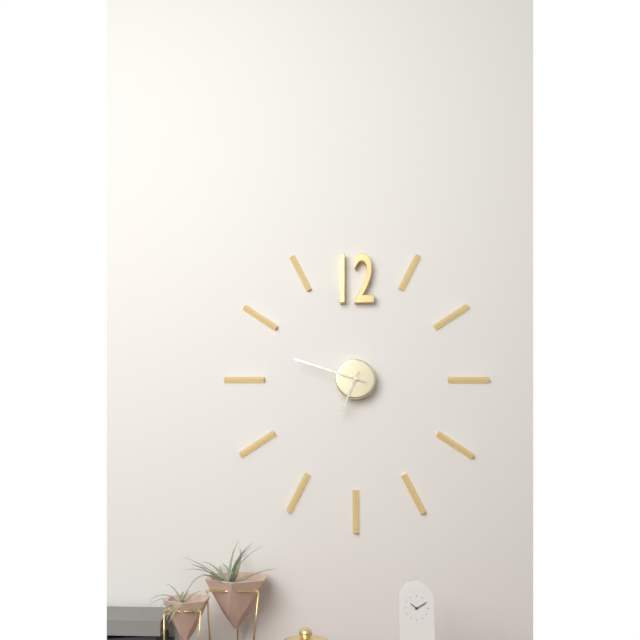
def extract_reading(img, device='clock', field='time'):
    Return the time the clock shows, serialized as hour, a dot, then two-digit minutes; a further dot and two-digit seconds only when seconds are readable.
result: 6.48
